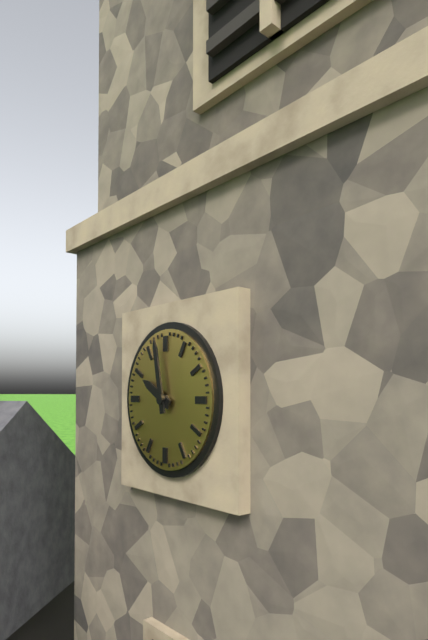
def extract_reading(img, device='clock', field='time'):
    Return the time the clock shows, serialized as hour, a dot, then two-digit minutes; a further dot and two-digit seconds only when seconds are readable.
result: 9.58
